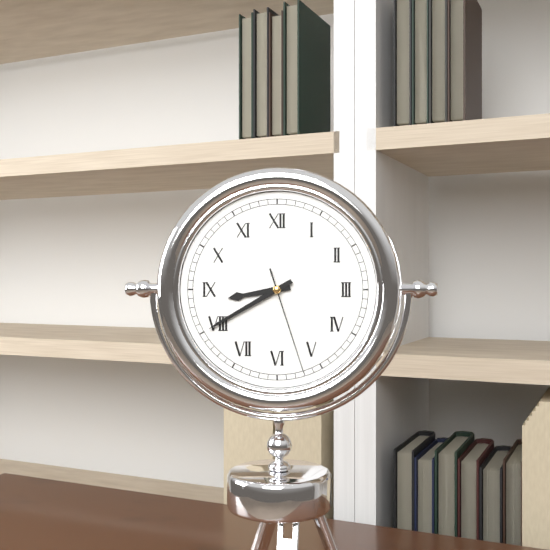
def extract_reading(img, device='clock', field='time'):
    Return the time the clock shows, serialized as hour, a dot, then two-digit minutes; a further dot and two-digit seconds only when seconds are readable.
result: 8.40.27
